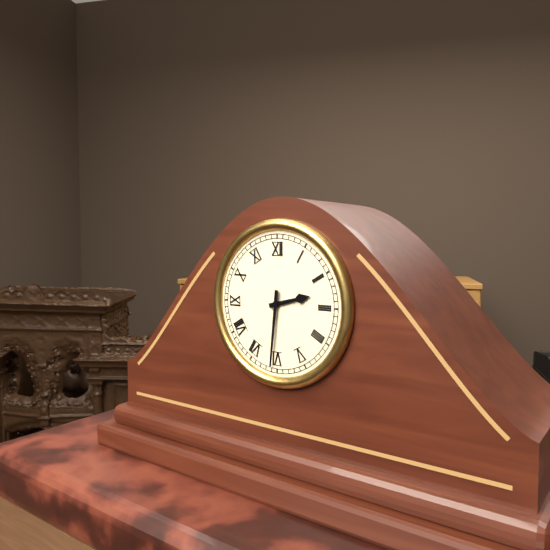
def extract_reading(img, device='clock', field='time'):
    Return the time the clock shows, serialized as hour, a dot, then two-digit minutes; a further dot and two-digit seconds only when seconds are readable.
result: 2.31
